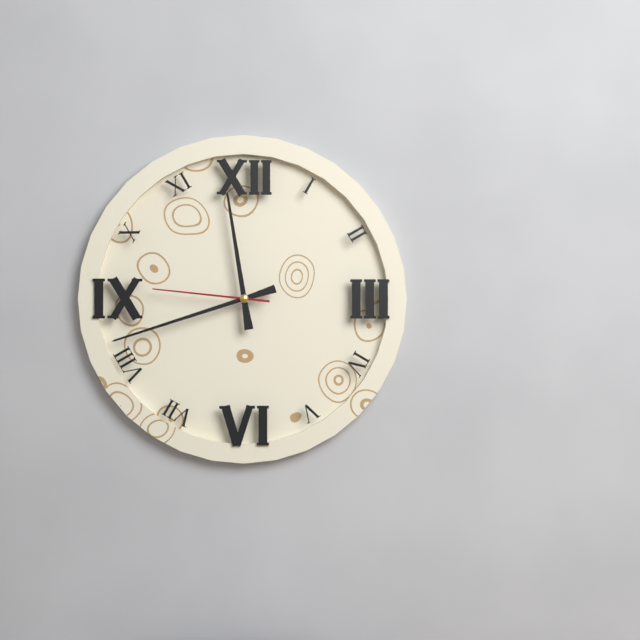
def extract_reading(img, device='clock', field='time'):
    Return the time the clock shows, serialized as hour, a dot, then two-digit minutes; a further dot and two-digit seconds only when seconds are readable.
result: 11.42.46
